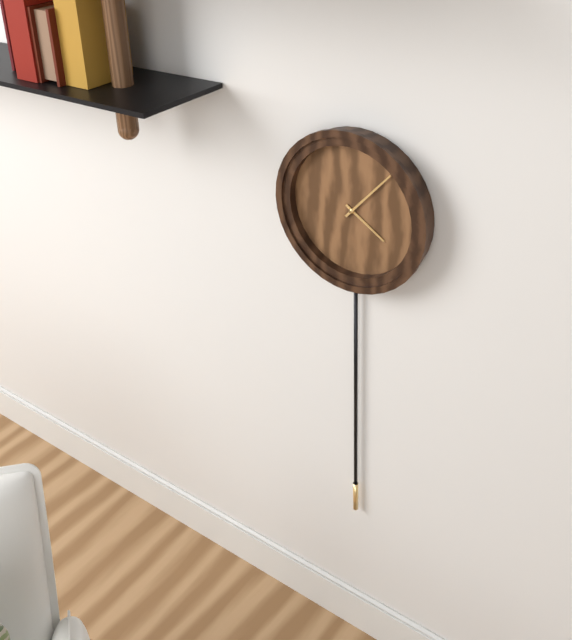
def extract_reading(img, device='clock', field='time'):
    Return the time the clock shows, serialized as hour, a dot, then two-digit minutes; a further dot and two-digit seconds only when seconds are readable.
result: 4.07
